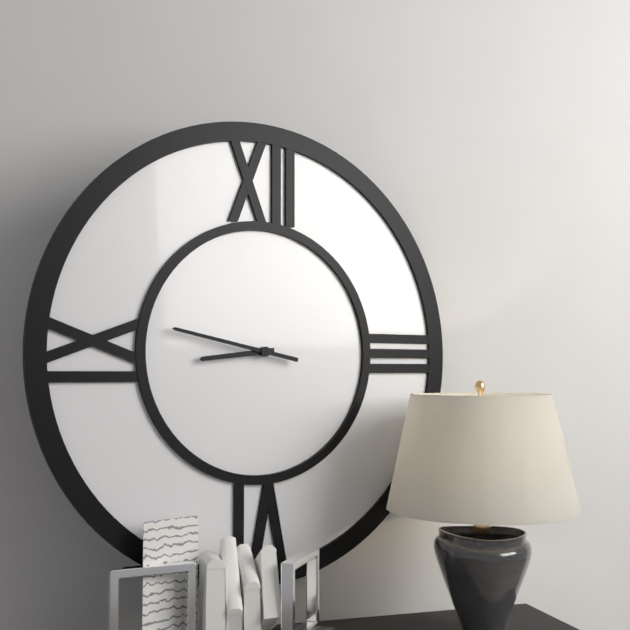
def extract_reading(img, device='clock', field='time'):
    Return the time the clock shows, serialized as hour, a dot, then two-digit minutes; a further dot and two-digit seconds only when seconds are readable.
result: 8.47
